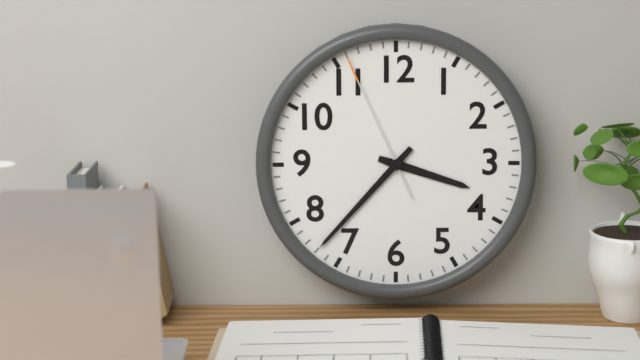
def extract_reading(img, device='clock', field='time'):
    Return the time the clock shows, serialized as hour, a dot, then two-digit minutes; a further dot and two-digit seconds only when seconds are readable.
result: 3.37.56
